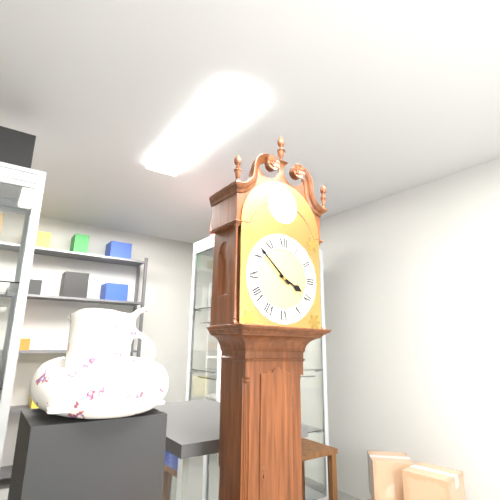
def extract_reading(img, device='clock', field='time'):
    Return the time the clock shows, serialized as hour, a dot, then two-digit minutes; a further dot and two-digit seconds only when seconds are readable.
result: 3.52
